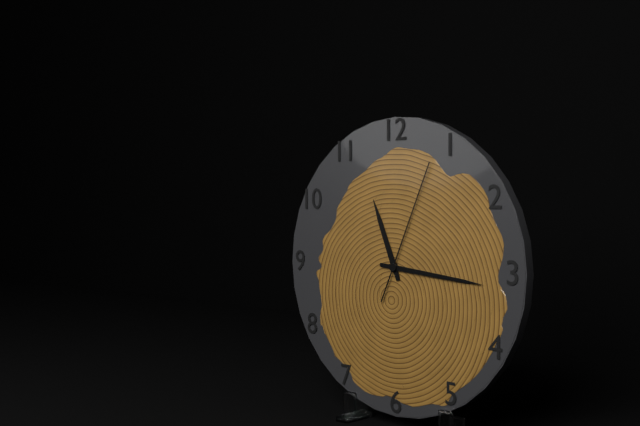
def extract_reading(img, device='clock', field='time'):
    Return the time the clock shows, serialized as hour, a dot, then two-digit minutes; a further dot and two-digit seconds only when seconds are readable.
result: 11.16.04
